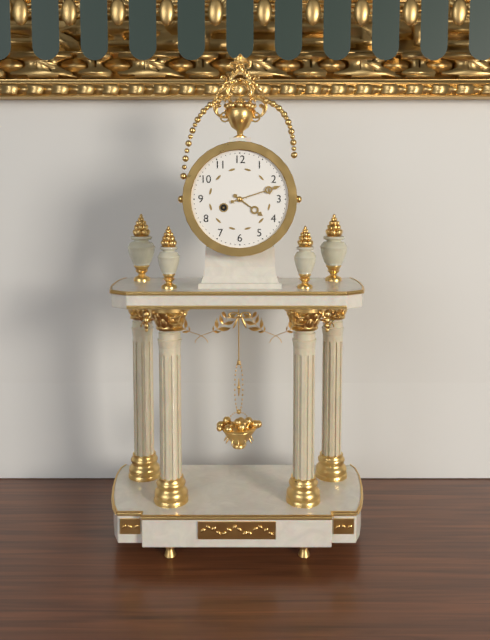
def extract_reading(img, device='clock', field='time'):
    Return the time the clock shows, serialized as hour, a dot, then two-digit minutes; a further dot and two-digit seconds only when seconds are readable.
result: 4.12
